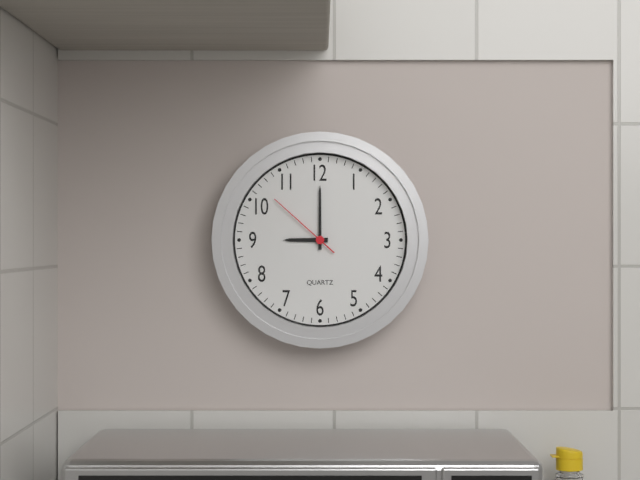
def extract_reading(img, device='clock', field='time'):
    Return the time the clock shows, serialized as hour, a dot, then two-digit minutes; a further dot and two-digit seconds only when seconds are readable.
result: 9.00.52
